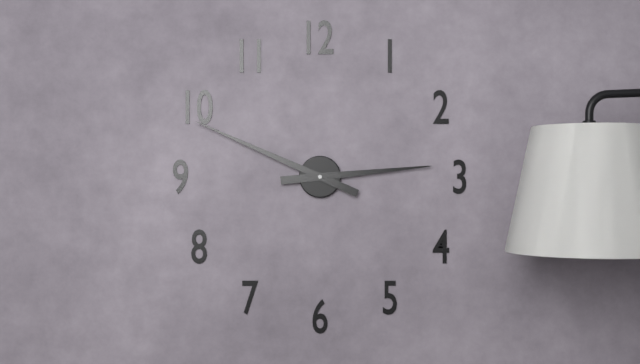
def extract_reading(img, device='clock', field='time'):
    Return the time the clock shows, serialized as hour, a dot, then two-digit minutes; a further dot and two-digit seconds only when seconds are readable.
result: 2.49
